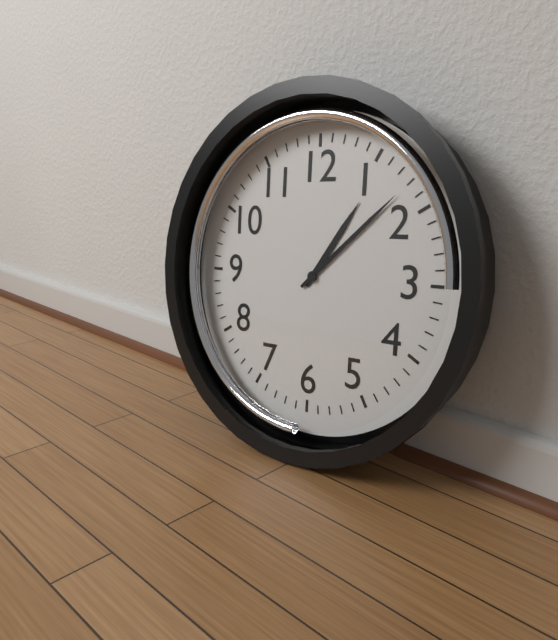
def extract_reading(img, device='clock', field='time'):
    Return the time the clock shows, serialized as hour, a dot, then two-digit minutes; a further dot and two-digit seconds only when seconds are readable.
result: 1.08
